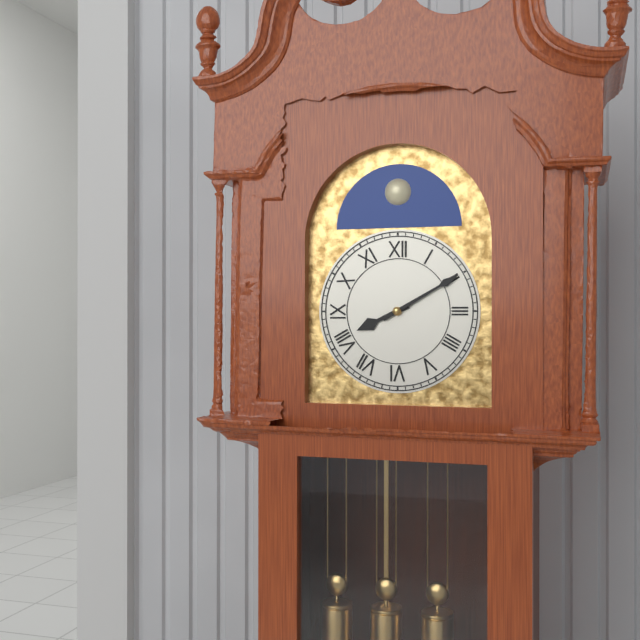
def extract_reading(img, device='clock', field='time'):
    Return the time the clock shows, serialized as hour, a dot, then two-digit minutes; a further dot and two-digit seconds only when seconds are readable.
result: 8.10
